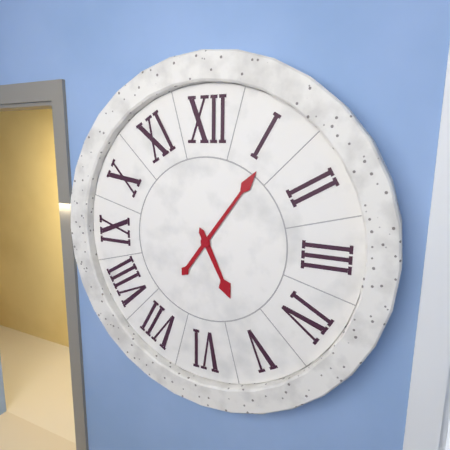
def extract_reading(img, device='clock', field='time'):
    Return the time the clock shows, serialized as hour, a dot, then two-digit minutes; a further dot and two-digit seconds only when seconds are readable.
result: 5.06
